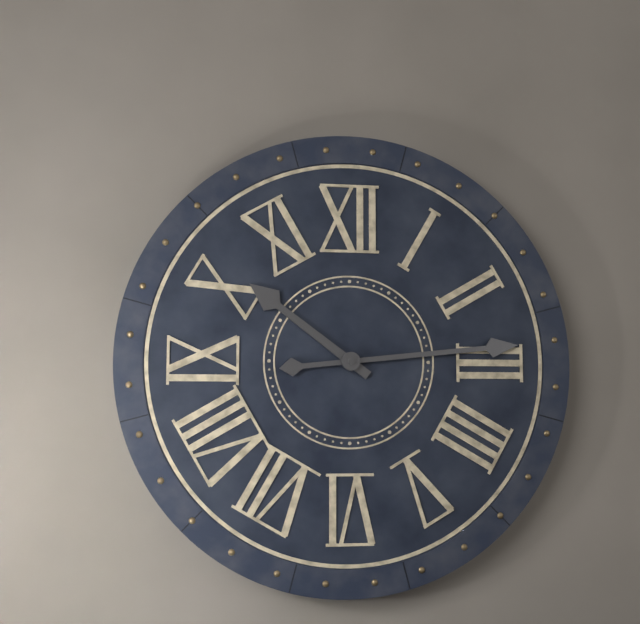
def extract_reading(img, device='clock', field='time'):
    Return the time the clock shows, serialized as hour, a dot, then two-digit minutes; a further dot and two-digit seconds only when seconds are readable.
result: 10.14
